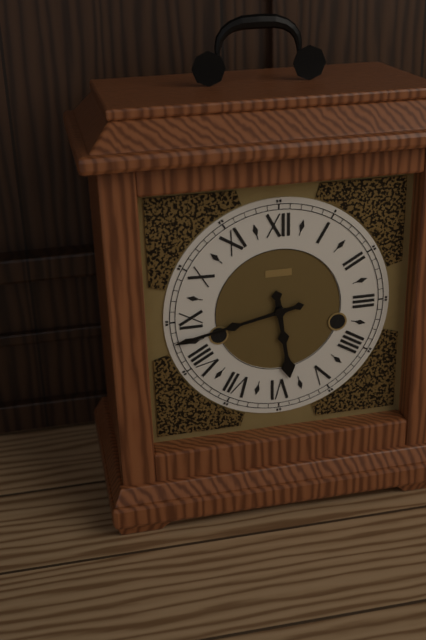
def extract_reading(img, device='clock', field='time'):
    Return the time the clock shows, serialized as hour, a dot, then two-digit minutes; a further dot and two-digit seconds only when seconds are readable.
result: 5.43
